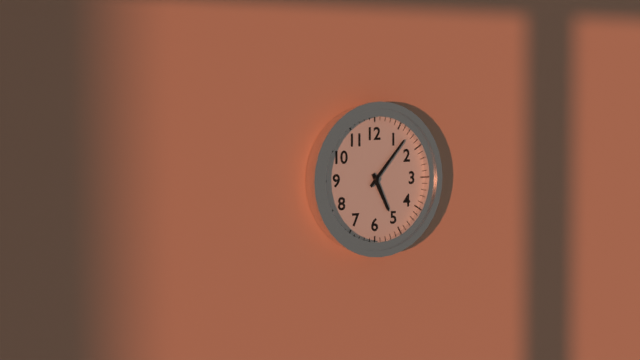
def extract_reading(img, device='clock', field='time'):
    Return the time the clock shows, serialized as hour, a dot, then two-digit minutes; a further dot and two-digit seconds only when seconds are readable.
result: 5.07
